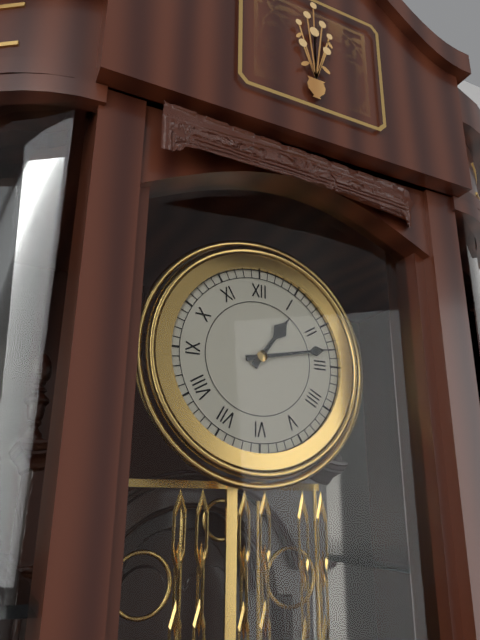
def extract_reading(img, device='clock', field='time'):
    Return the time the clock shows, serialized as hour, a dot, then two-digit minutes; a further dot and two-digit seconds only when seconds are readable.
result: 1.13
